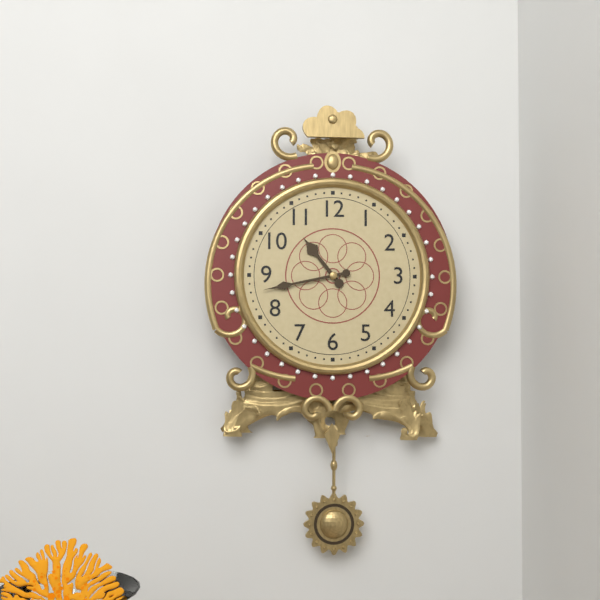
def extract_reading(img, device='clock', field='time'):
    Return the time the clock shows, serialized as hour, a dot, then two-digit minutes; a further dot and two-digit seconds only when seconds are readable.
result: 10.43
